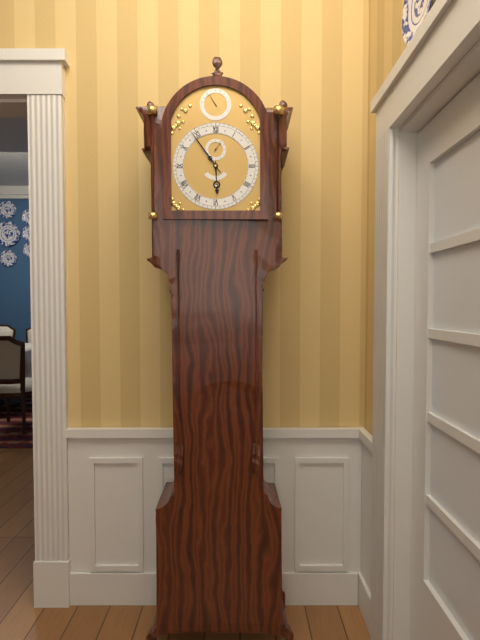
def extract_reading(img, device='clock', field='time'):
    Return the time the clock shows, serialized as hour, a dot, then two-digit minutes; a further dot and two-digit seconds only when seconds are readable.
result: 5.54
